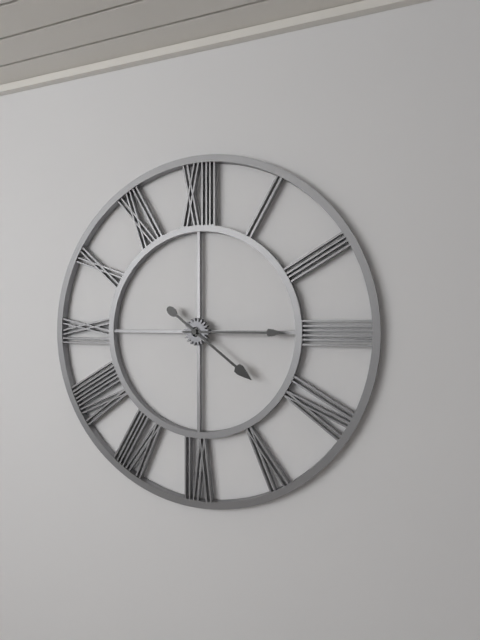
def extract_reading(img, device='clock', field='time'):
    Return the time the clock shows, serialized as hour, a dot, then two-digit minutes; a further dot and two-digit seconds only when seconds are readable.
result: 4.15
